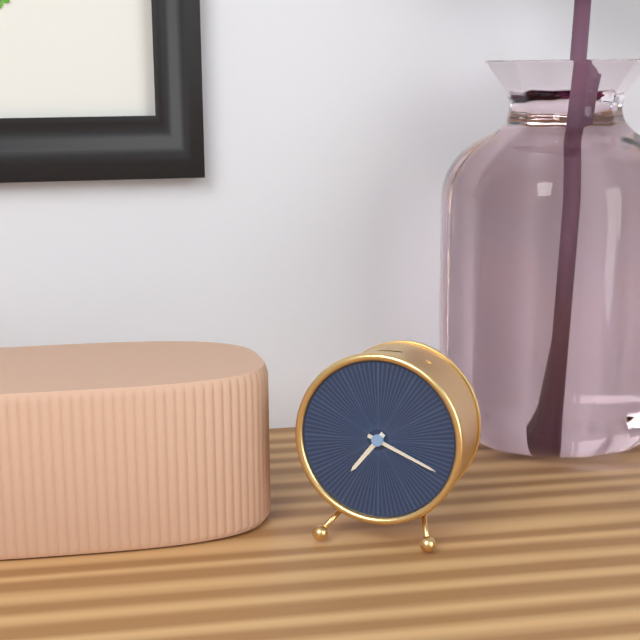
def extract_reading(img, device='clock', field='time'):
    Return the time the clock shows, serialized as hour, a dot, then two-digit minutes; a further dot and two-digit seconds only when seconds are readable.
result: 7.19
